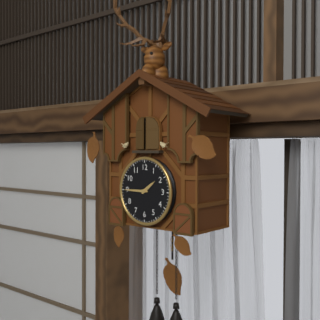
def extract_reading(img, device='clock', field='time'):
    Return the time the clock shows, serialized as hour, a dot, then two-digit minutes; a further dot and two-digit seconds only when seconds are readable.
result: 1.45
